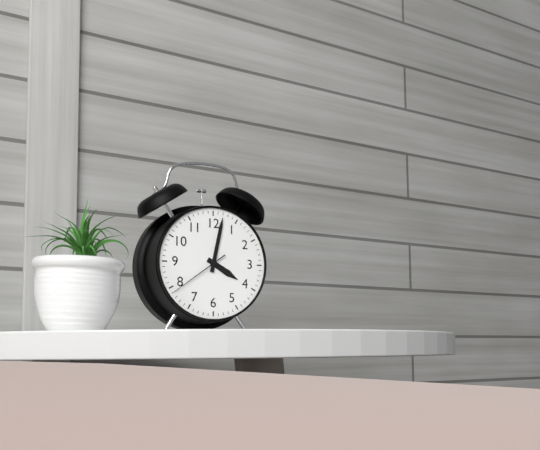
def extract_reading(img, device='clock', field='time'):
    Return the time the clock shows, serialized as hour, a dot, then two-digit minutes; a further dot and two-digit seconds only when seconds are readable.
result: 4.02.39
